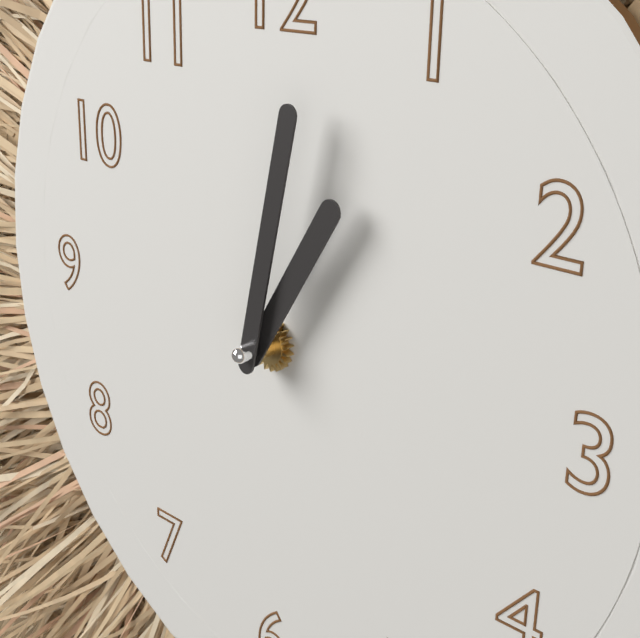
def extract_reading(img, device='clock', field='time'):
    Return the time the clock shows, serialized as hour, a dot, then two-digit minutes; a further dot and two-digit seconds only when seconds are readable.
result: 1.02
